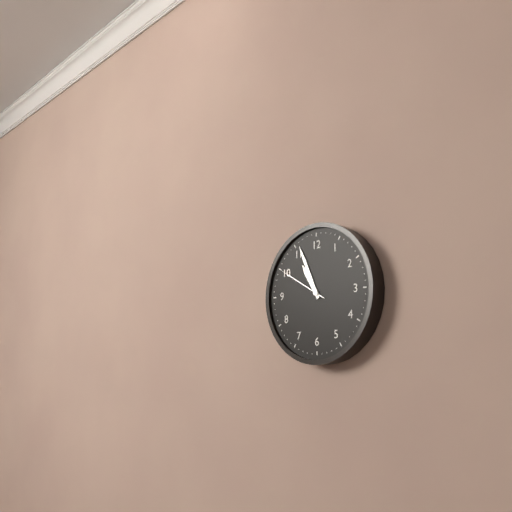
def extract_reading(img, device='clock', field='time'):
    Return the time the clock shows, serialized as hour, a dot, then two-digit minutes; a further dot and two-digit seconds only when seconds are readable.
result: 10.56.50
